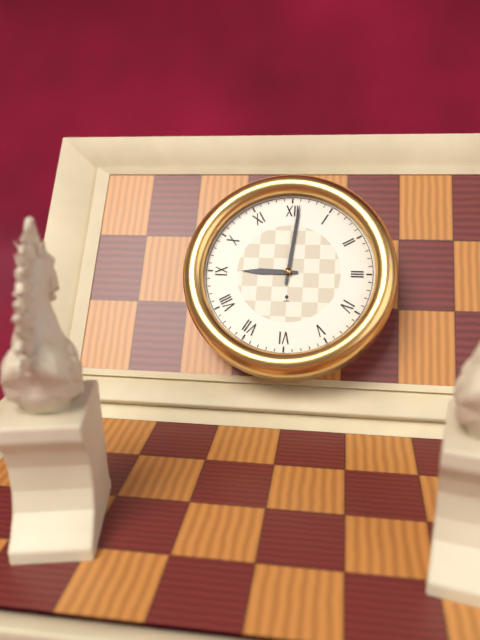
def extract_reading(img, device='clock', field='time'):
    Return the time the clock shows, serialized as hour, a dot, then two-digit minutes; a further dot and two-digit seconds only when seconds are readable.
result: 9.01
